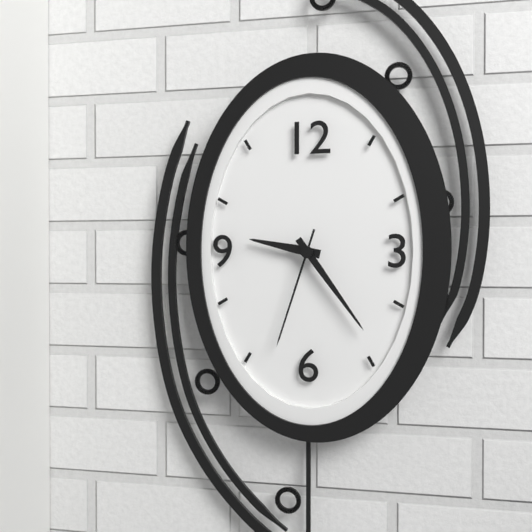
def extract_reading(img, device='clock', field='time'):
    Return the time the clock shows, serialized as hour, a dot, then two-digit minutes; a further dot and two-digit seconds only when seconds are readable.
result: 9.24.33
